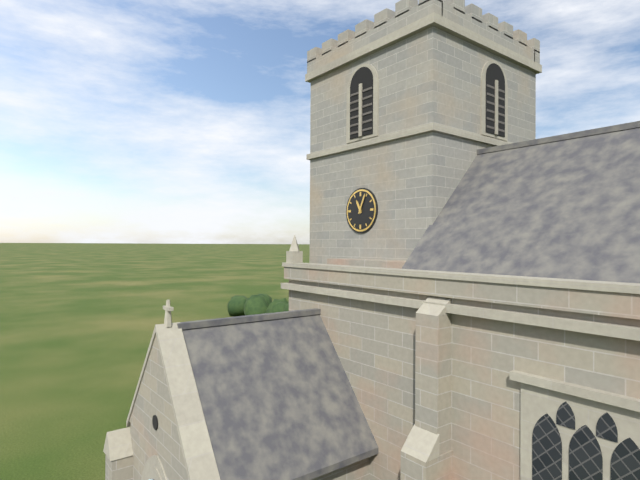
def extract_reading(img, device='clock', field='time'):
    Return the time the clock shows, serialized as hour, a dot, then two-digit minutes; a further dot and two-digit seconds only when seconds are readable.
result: 11.04
